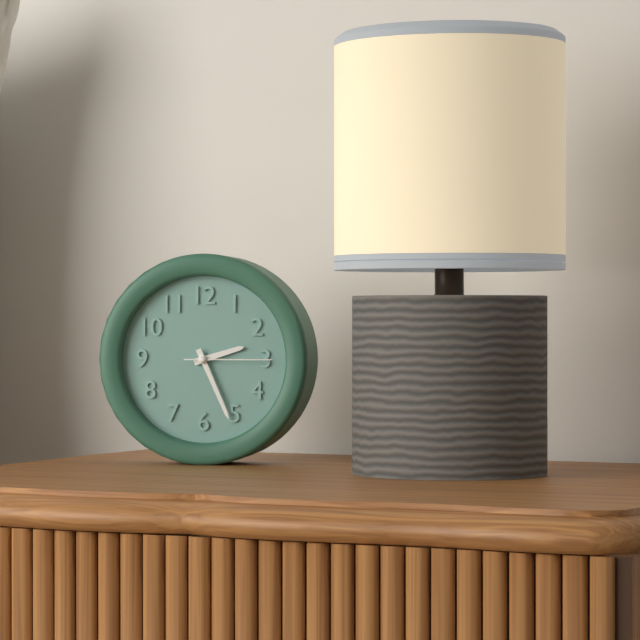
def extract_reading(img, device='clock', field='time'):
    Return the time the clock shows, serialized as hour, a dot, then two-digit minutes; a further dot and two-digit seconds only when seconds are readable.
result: 2.26.15
